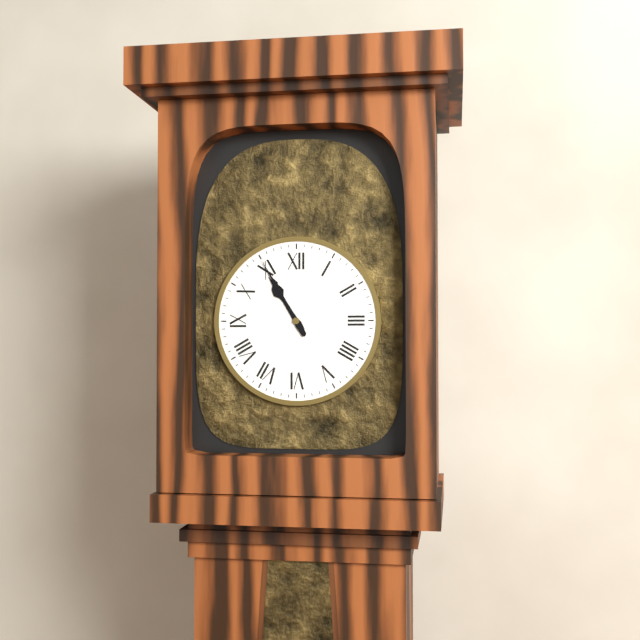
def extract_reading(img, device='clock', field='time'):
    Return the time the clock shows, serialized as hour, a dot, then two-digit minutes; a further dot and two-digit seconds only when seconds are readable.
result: 10.55
